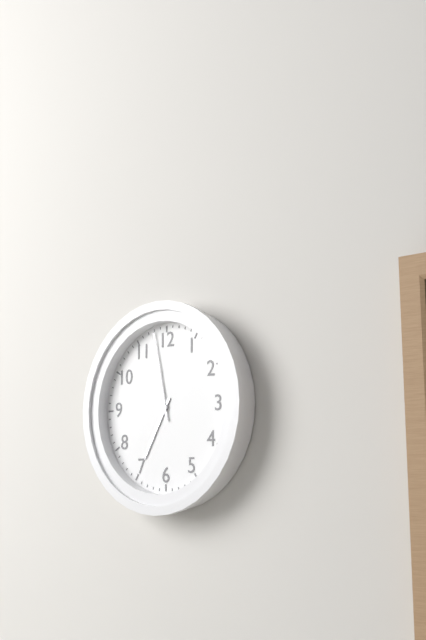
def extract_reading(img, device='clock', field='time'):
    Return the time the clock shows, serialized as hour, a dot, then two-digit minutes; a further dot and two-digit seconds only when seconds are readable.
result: 6.58
